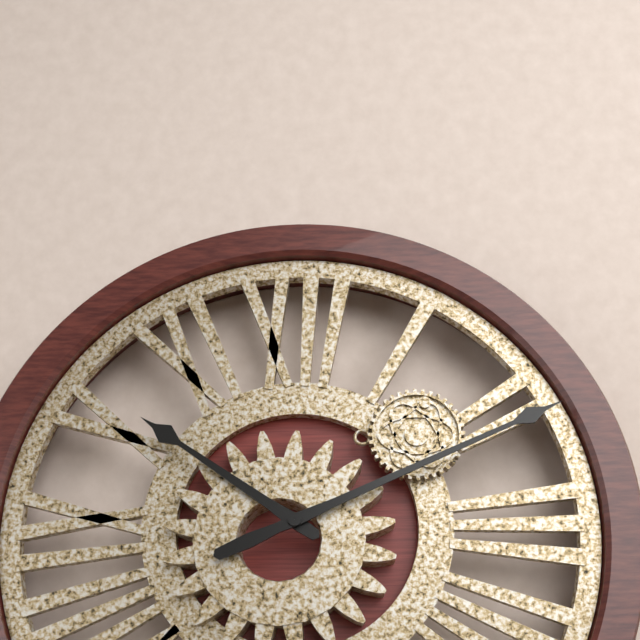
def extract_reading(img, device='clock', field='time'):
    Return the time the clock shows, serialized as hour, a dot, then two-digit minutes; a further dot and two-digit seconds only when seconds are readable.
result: 10.11
